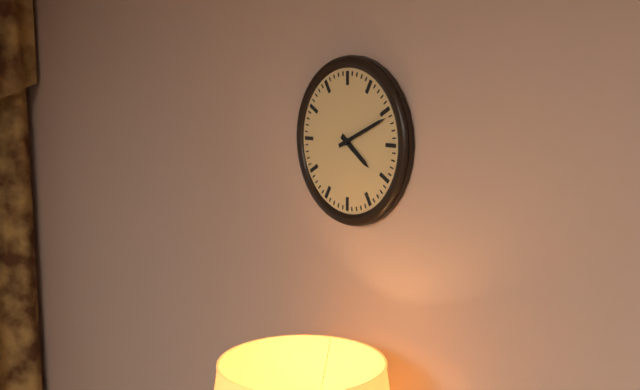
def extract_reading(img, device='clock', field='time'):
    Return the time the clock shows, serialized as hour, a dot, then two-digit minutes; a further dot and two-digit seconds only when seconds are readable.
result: 4.11
